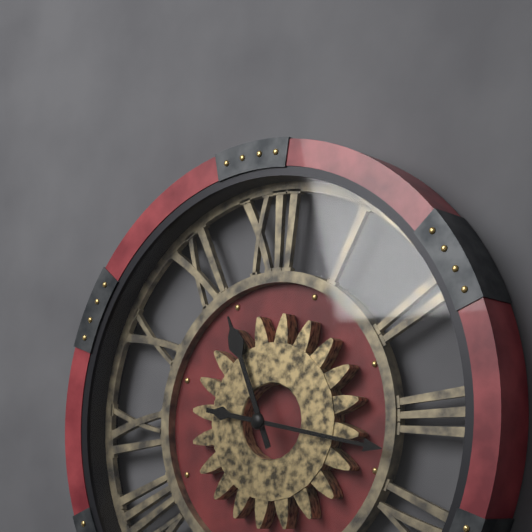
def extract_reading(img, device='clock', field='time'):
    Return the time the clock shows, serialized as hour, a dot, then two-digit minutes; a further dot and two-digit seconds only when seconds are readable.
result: 11.17
